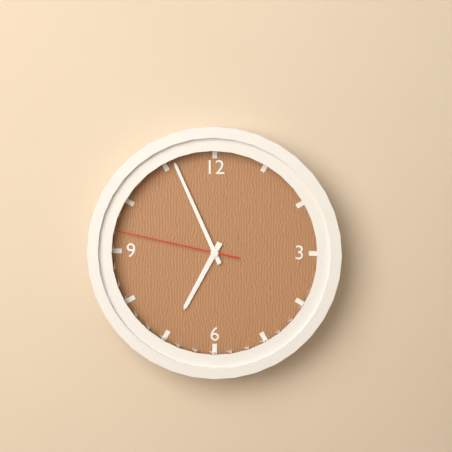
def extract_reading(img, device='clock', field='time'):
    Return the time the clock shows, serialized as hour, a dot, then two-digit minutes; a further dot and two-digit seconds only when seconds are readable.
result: 6.56.47
